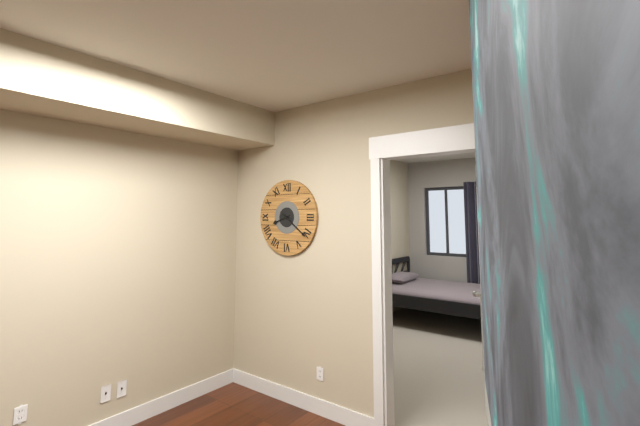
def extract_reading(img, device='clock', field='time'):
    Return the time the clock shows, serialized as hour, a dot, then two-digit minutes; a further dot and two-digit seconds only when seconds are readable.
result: 8.21
